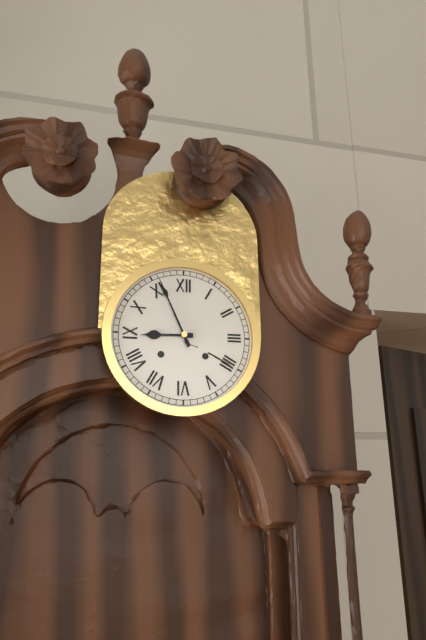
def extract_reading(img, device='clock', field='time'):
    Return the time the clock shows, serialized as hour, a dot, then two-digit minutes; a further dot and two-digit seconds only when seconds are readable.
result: 8.56
